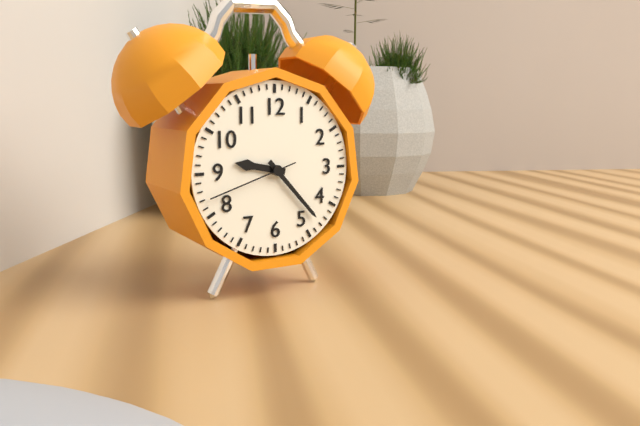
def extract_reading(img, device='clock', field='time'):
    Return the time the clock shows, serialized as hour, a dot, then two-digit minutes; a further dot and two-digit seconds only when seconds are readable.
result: 9.23.42
